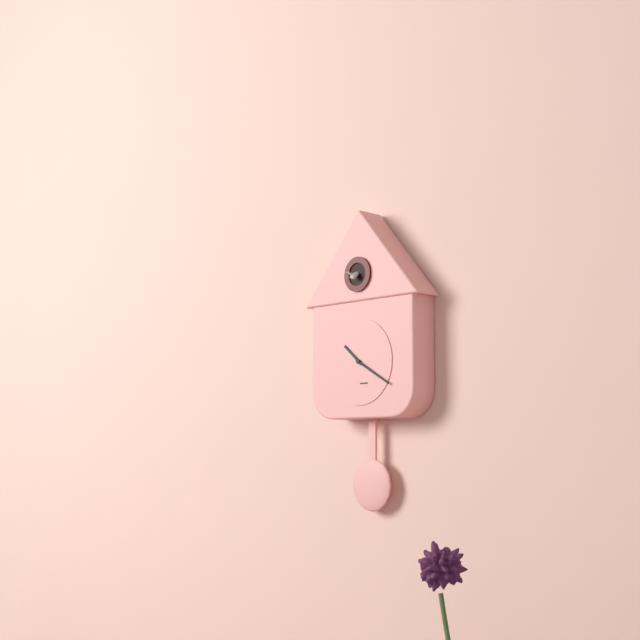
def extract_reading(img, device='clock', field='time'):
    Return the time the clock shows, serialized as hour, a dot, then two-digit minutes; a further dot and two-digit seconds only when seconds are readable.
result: 10.20
